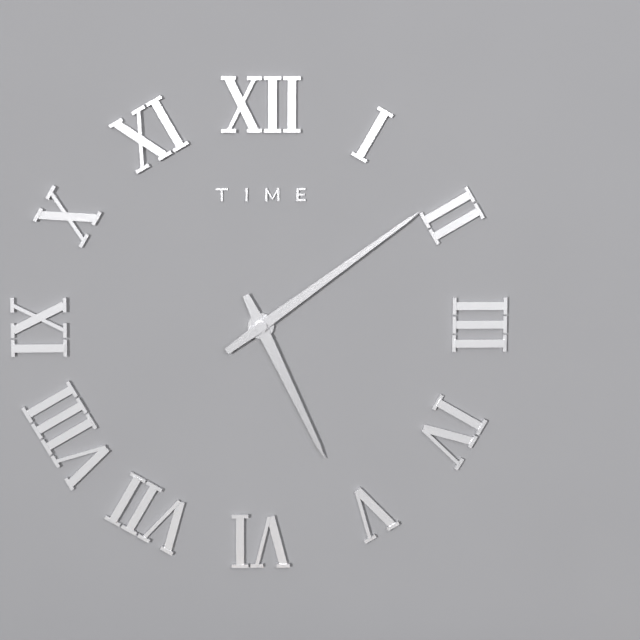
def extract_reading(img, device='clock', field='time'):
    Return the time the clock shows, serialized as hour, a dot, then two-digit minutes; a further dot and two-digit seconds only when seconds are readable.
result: 5.09
